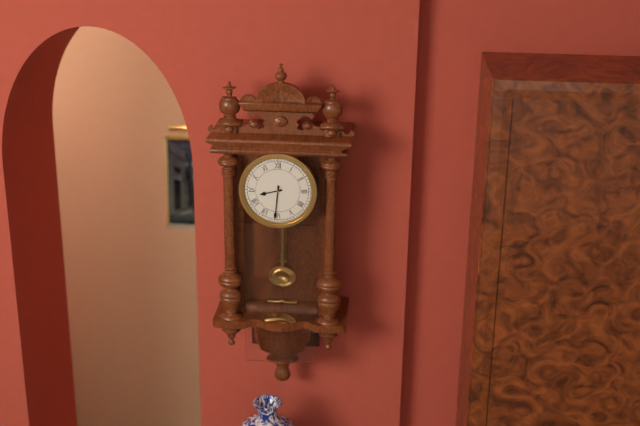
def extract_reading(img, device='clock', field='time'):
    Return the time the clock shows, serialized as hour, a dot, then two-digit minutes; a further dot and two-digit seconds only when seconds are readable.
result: 8.31
